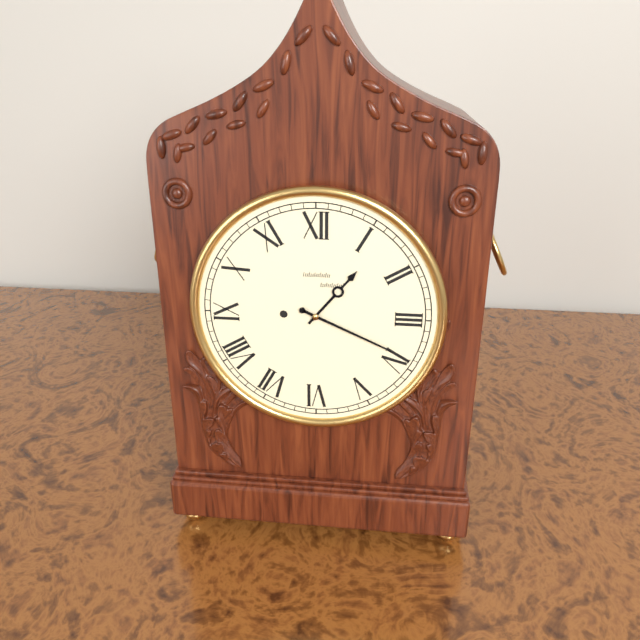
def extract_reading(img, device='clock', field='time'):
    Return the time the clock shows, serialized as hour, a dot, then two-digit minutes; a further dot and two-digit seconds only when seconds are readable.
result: 1.19
